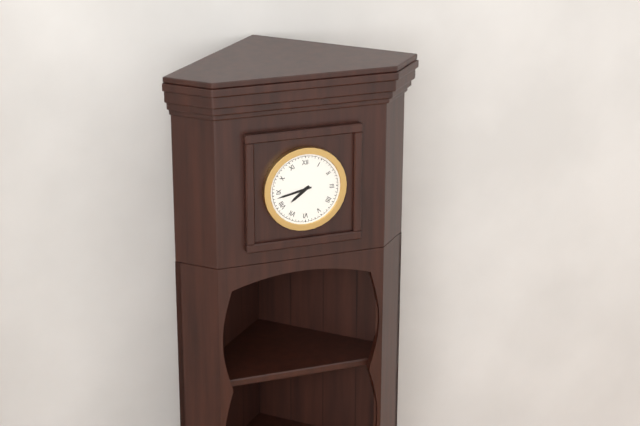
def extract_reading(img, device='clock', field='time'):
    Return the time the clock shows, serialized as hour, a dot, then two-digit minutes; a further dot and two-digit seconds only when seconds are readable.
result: 7.43
